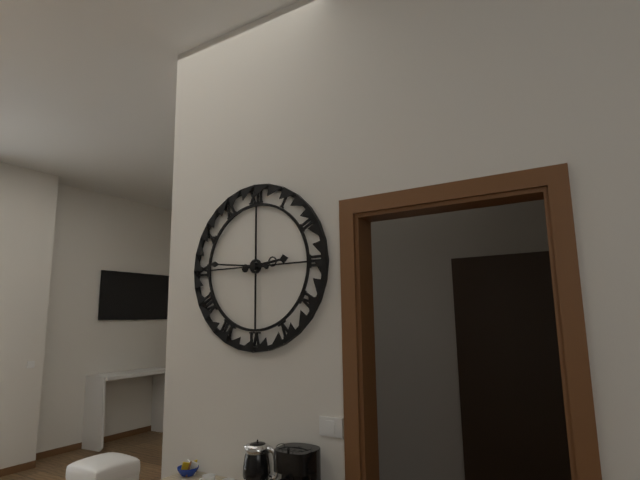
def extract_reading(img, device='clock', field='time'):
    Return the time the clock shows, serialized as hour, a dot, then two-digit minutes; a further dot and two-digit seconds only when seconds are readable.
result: 2.46
